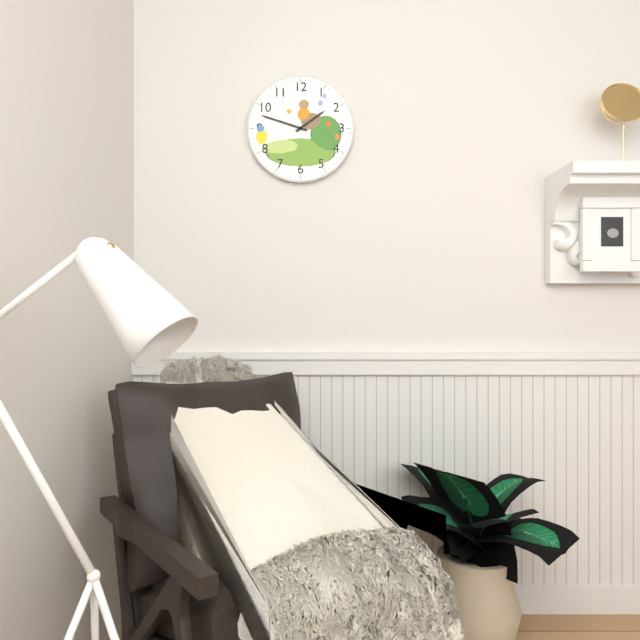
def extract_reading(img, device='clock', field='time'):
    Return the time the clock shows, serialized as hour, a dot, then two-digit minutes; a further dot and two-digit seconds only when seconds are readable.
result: 1.48
